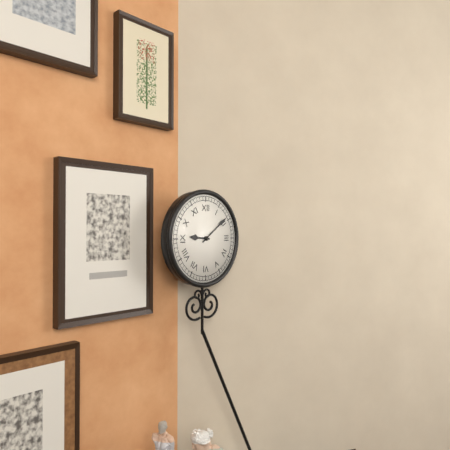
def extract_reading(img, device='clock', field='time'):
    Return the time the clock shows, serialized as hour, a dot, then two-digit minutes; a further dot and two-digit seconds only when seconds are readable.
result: 9.09
